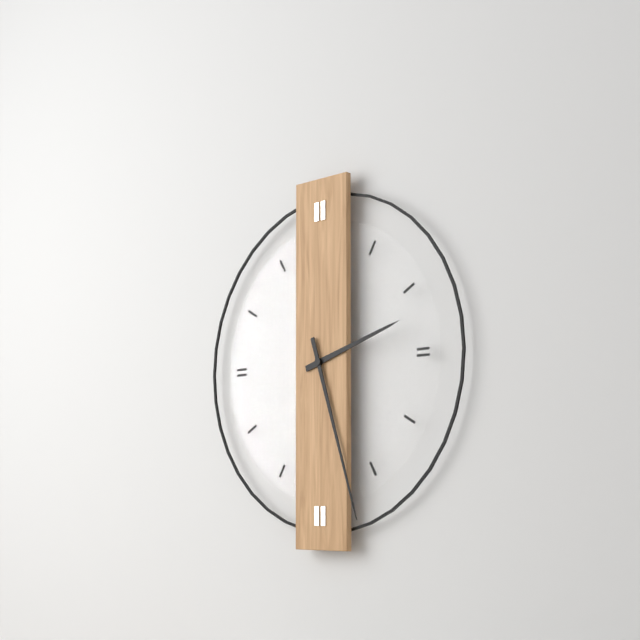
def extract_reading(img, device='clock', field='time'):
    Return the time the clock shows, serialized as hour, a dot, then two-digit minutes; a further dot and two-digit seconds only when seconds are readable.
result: 2.27
